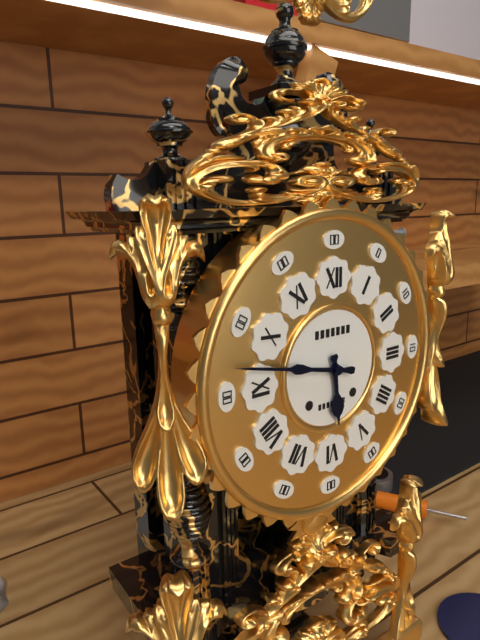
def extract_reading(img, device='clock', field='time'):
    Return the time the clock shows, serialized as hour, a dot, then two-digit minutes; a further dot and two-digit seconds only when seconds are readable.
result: 5.47
